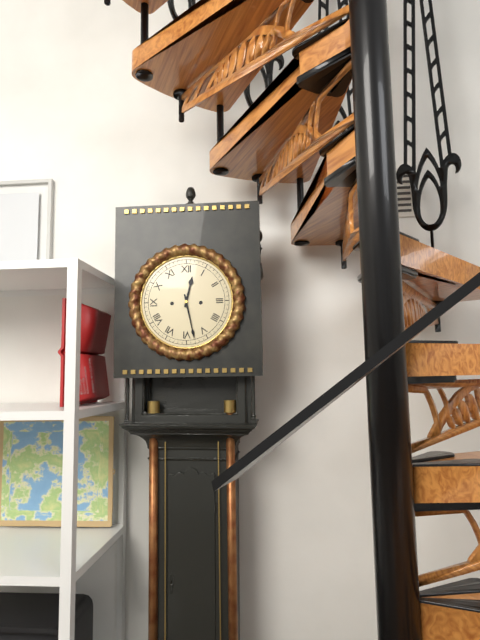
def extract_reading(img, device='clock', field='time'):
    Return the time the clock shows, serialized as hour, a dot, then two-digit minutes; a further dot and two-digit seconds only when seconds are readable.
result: 12.28
